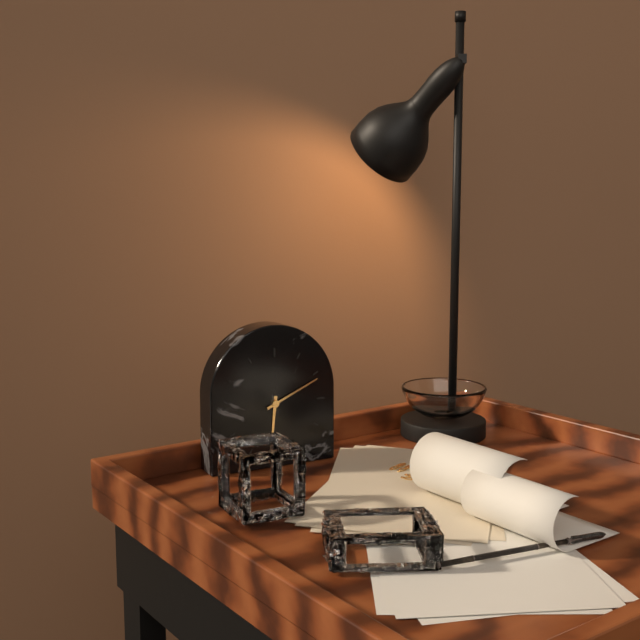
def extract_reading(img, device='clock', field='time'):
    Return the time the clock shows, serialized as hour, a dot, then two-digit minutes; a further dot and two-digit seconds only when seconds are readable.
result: 6.11
